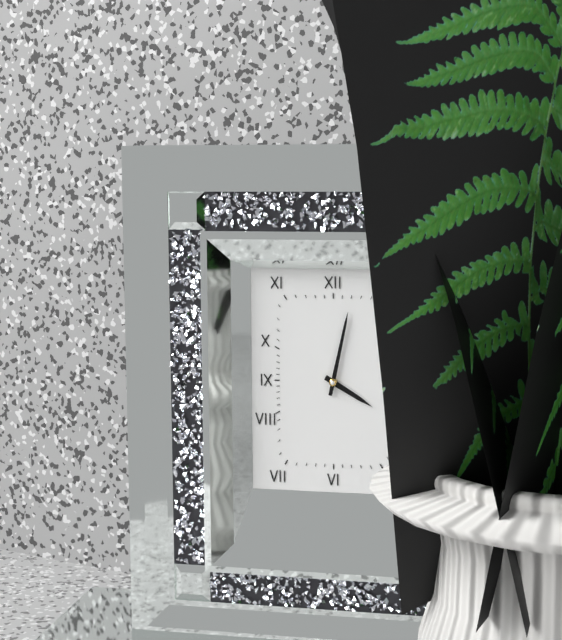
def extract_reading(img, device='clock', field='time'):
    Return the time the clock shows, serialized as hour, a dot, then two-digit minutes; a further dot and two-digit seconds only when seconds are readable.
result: 4.02
